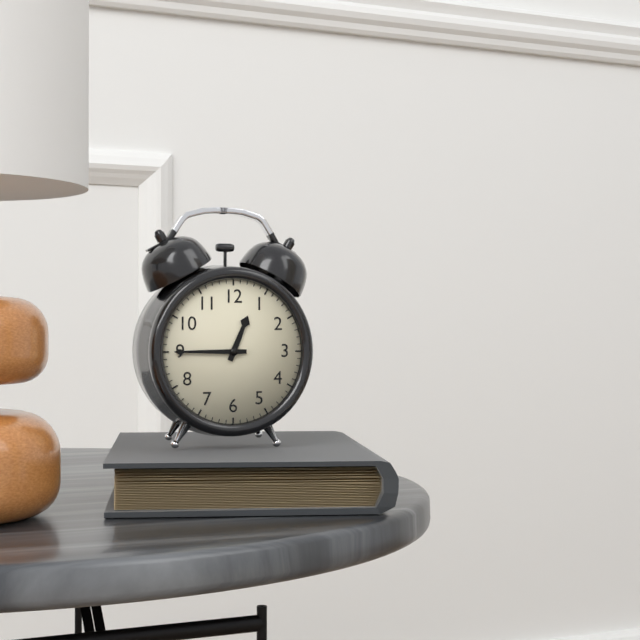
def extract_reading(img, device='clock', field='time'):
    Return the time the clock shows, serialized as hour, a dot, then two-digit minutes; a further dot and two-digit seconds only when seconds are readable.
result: 12.45
